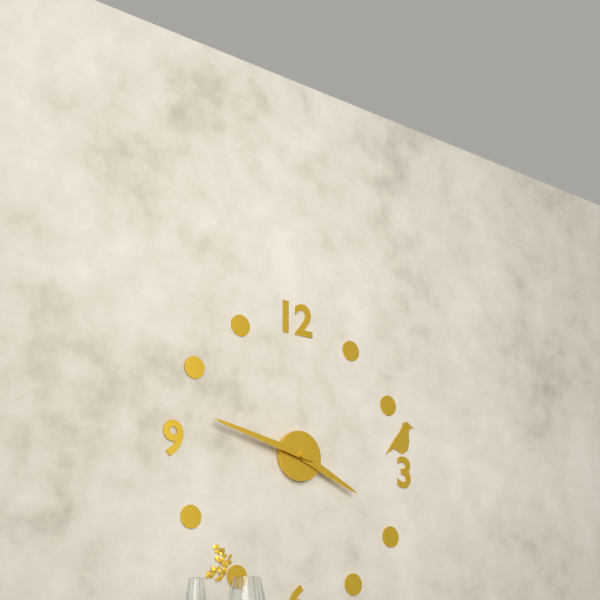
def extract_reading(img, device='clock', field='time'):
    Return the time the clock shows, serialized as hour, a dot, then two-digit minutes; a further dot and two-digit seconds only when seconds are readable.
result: 3.47
